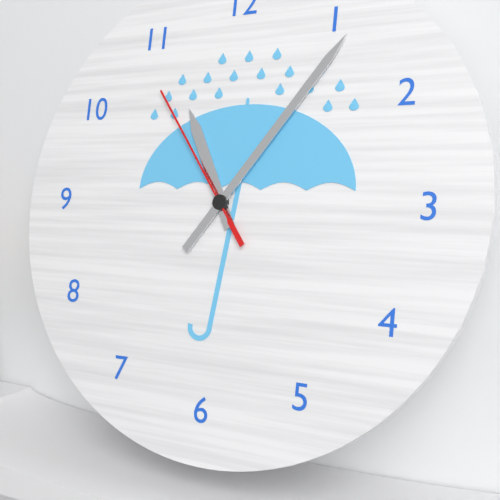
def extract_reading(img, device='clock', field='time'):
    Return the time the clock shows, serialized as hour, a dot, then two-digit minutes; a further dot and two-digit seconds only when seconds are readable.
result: 11.06.54
